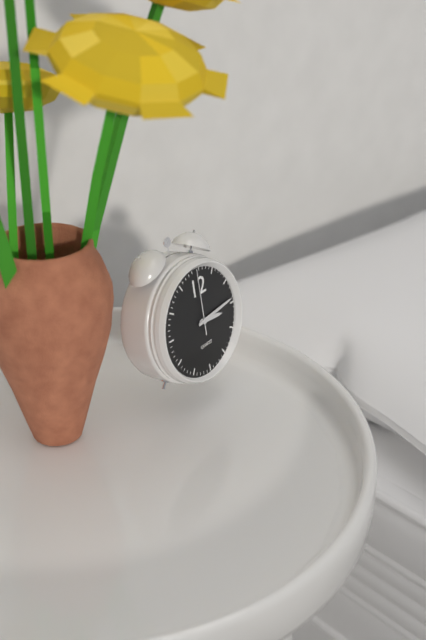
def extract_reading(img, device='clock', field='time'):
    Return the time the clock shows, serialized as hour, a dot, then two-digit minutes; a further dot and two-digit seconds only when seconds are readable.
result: 3.14.00
